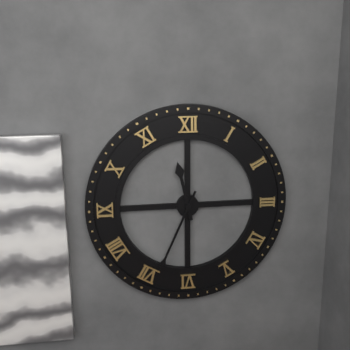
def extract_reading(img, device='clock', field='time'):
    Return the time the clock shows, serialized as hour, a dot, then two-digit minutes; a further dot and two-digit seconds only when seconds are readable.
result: 11.34
